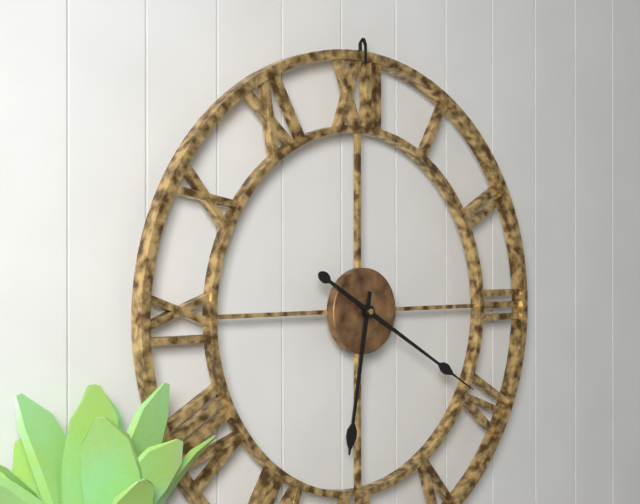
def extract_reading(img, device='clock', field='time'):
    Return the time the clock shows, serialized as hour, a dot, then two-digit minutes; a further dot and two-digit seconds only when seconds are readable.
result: 6.20
